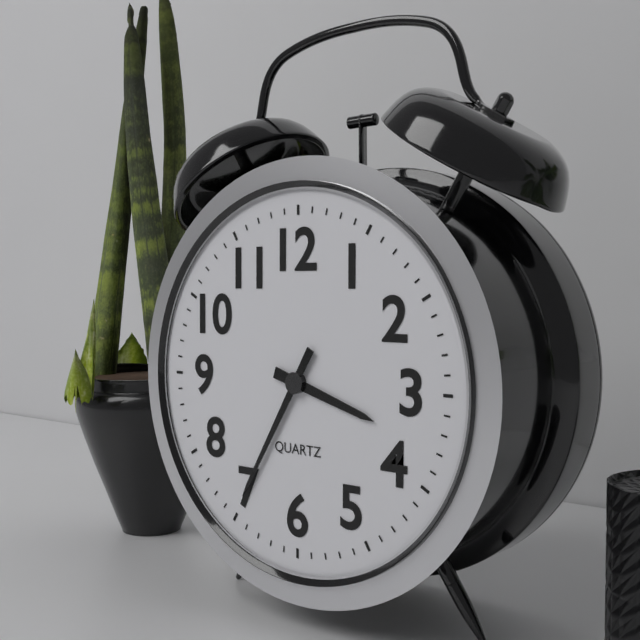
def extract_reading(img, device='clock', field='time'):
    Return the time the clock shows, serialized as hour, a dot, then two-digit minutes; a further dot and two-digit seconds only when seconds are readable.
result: 3.35
